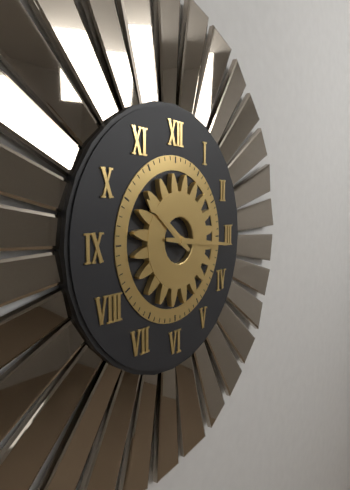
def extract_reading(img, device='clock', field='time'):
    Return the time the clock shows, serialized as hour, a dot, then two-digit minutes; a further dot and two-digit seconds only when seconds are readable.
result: 10.16
